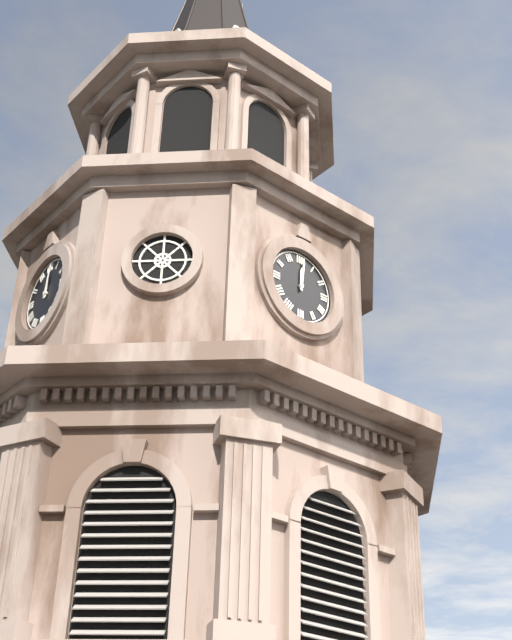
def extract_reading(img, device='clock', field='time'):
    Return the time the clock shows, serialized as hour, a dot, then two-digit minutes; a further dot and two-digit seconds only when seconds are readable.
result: 12.01
